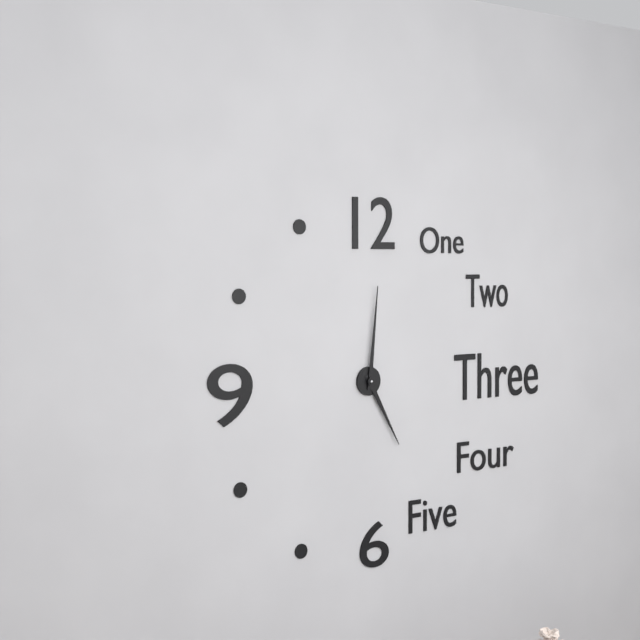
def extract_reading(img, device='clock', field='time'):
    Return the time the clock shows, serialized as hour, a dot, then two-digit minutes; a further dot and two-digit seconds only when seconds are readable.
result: 5.01
